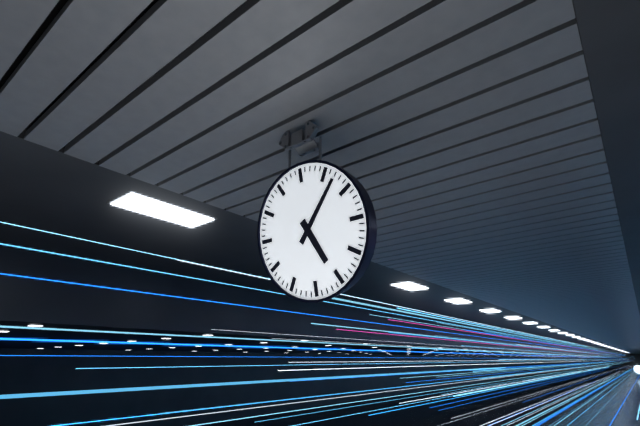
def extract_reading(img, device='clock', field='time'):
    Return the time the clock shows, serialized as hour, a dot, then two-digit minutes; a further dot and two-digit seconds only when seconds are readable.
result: 5.07
